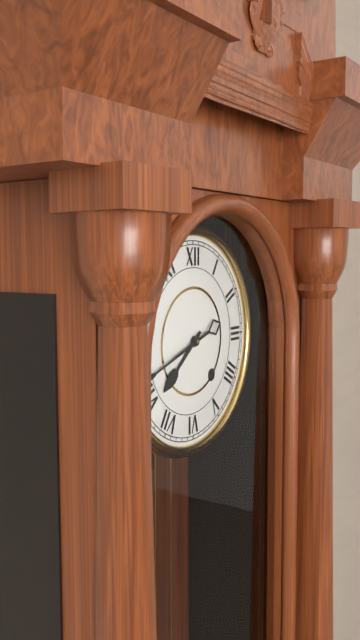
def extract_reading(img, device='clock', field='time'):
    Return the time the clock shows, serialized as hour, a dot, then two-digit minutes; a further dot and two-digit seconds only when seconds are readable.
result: 7.42
